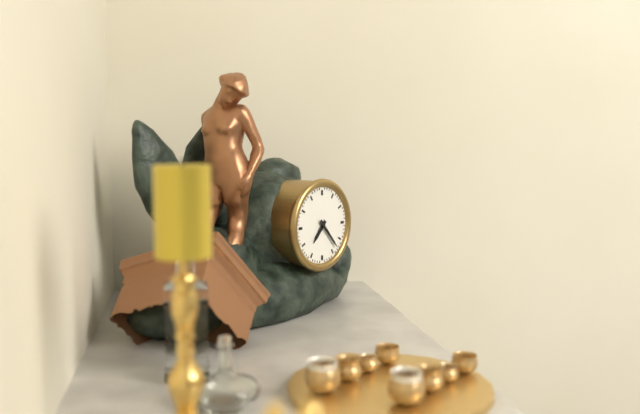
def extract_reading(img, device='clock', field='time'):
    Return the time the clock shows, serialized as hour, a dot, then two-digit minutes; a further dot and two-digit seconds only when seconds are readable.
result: 7.23
